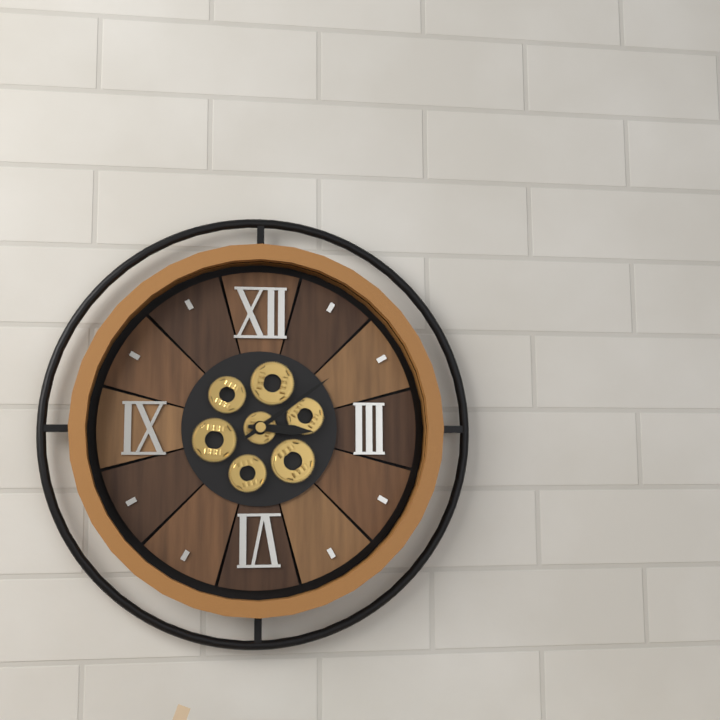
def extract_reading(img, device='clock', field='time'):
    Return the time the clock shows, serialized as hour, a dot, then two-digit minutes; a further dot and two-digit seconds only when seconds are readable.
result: 3.09
